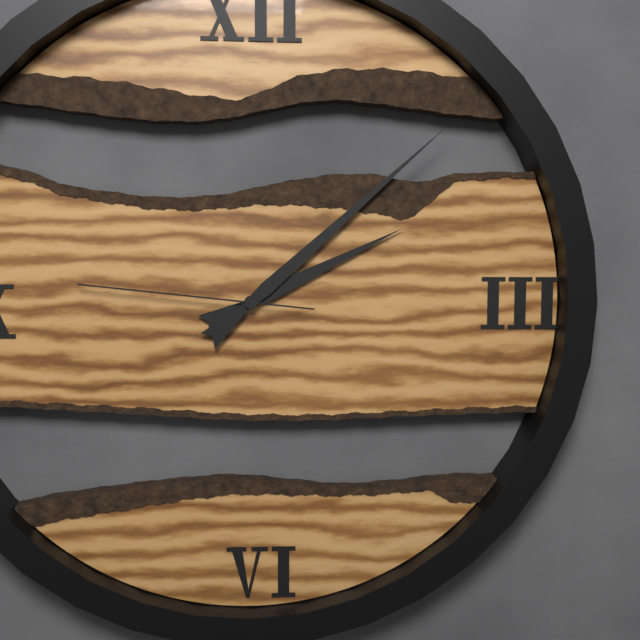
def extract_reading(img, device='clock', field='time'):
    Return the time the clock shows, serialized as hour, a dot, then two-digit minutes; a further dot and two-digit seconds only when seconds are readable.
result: 2.08.46
